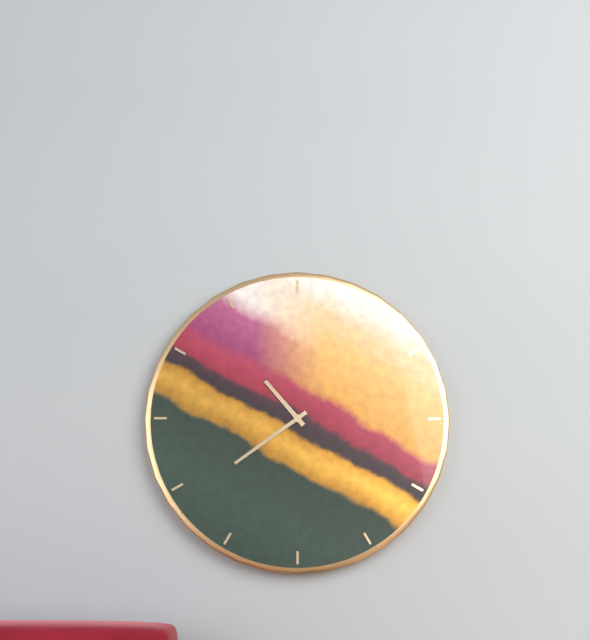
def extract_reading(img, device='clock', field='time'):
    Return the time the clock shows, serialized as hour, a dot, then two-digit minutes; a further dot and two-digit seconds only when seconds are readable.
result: 10.39
